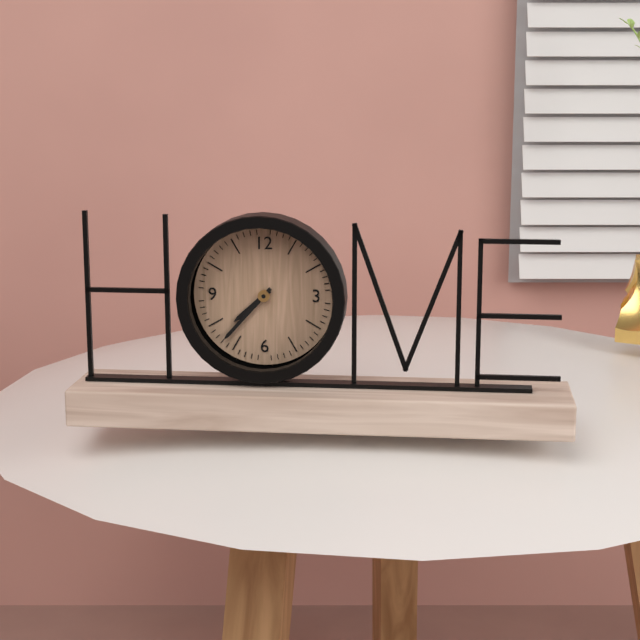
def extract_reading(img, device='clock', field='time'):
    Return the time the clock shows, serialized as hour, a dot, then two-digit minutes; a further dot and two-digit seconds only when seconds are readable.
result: 7.37
